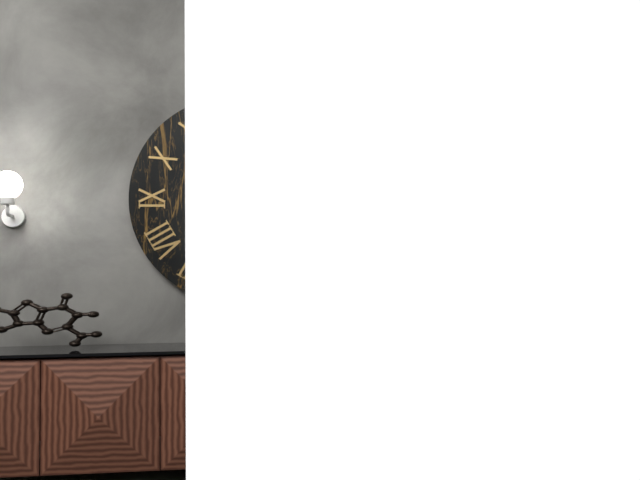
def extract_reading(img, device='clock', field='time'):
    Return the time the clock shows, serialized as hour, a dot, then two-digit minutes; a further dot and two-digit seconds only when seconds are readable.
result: 11.24
